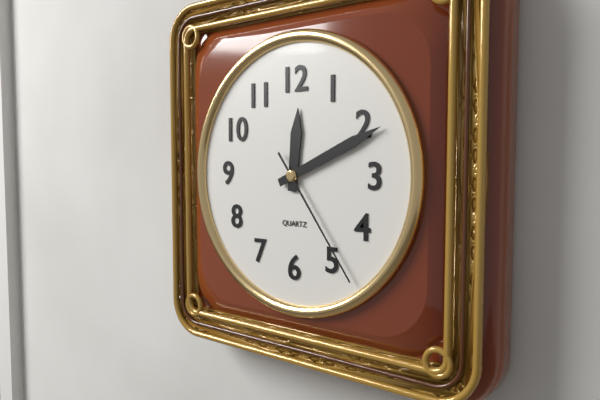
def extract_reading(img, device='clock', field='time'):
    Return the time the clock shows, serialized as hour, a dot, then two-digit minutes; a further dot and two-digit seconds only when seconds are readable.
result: 12.11.24
